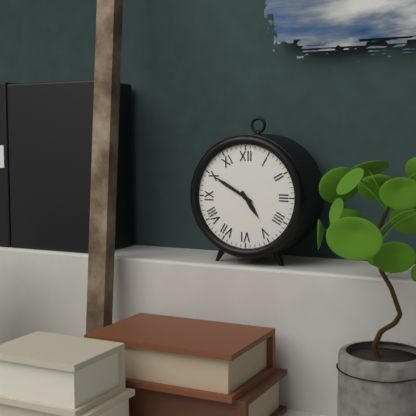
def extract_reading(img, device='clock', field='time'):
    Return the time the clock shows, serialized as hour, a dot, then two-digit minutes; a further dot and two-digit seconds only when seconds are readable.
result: 4.50
